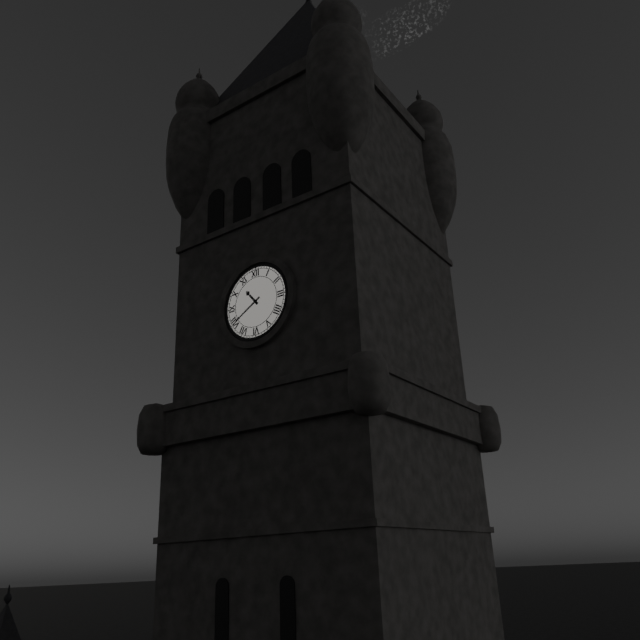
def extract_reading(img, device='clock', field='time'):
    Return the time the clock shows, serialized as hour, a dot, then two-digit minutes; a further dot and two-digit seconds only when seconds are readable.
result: 10.40
